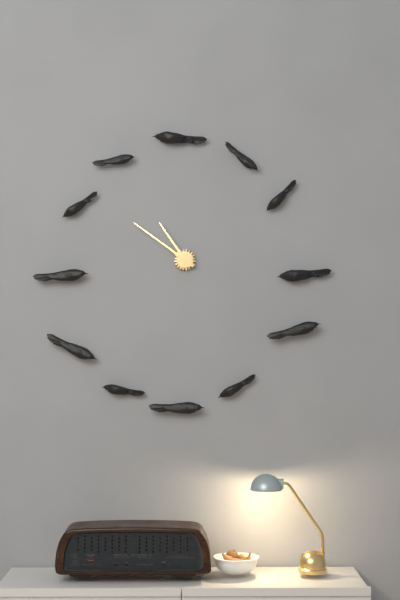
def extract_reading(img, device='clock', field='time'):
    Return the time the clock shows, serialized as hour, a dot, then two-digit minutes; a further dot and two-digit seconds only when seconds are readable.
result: 10.51
